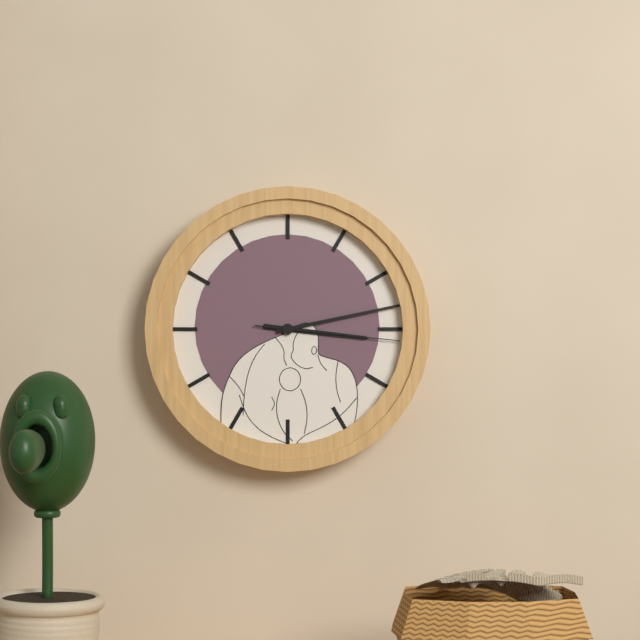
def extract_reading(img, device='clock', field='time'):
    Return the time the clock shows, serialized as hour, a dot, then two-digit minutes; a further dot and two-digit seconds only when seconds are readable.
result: 3.13.16
